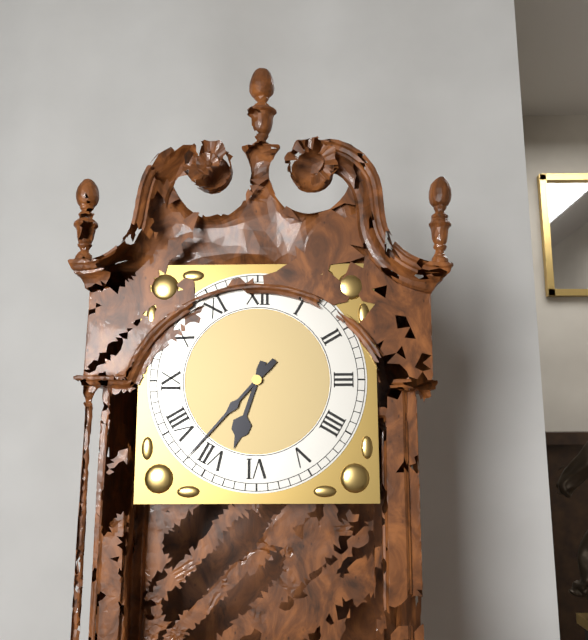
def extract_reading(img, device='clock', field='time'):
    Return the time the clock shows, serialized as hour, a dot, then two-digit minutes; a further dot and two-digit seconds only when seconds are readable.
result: 6.37
